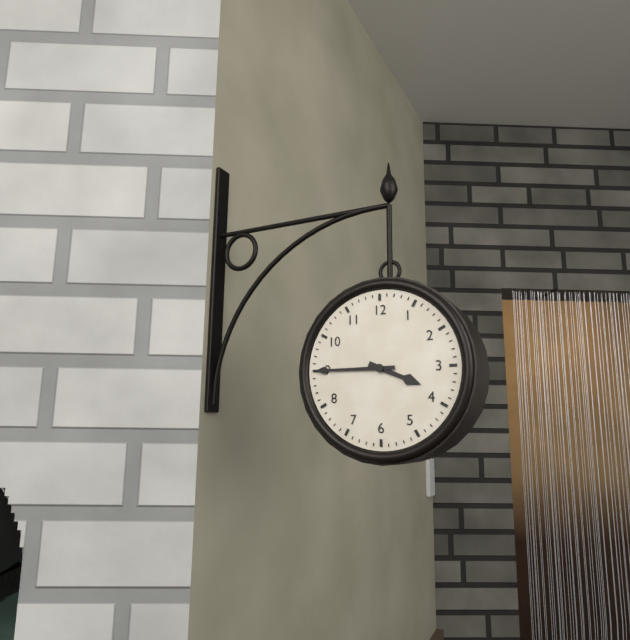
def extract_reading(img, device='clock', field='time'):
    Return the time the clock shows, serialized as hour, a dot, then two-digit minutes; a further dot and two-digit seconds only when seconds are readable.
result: 3.45
